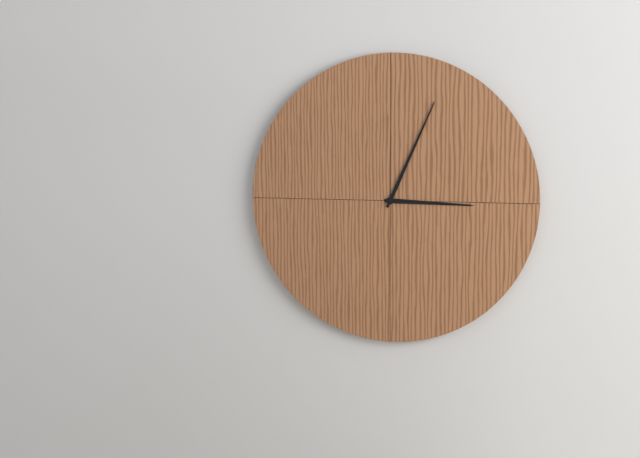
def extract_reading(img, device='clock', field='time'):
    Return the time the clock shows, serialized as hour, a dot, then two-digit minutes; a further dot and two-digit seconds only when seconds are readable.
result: 3.04
